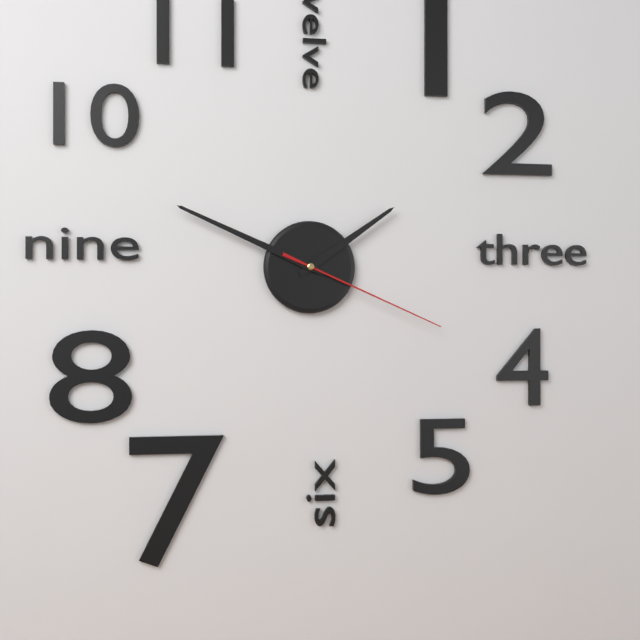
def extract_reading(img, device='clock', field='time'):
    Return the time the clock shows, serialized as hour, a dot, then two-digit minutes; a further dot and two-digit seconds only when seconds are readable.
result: 1.49.19
